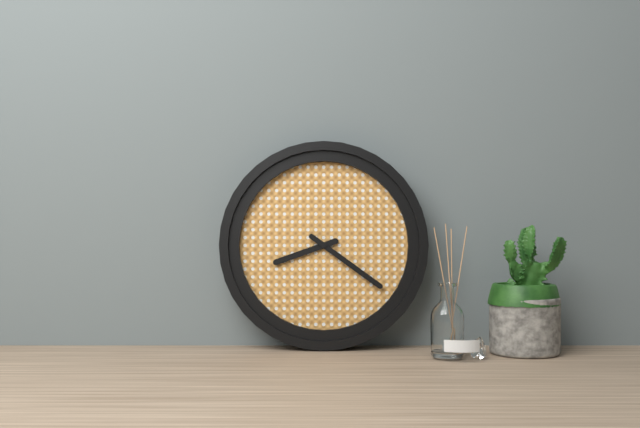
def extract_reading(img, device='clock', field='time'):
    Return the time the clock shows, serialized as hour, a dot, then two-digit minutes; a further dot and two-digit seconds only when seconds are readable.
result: 8.21
